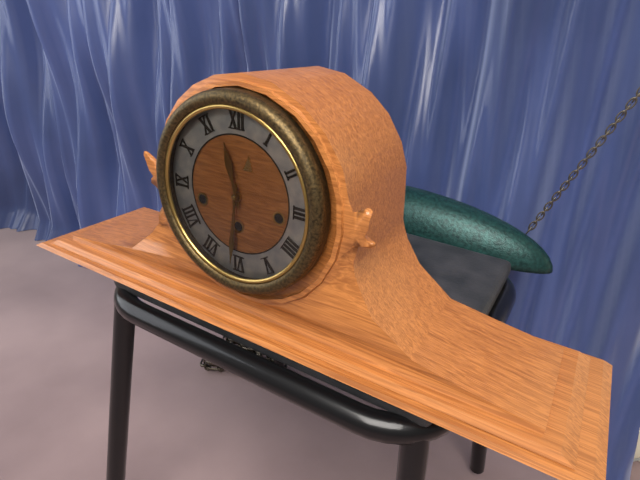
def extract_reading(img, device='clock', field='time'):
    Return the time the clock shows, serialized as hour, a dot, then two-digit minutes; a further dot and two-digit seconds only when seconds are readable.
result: 11.31
